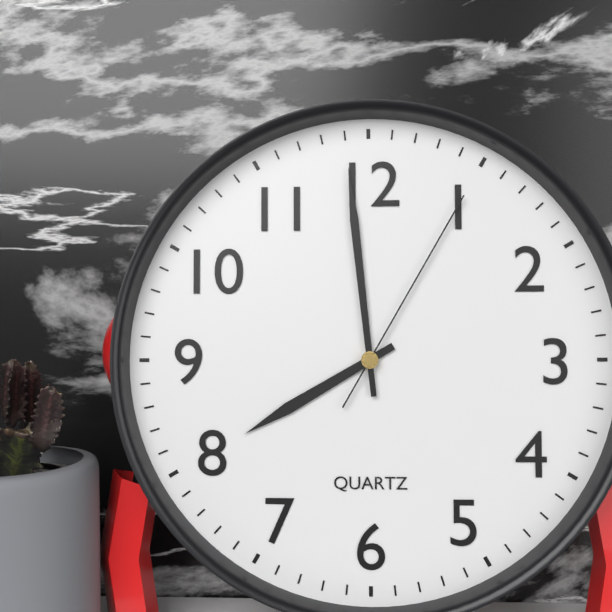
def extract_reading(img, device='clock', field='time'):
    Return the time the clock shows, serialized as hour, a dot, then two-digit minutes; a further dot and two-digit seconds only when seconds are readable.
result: 7.59.05
